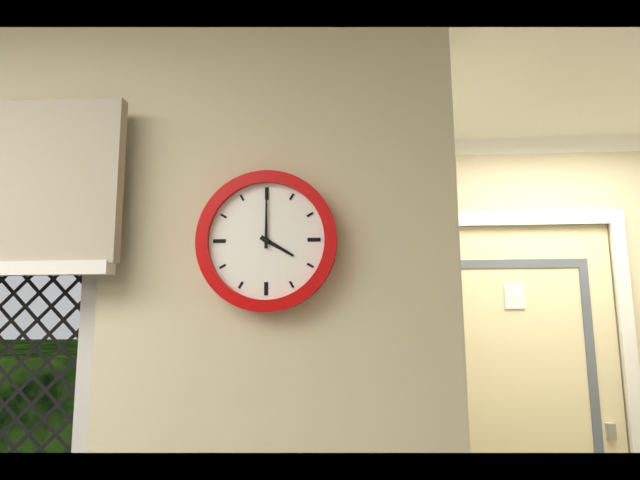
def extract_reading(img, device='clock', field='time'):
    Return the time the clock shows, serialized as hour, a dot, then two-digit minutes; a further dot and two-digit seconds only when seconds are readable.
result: 4.00
